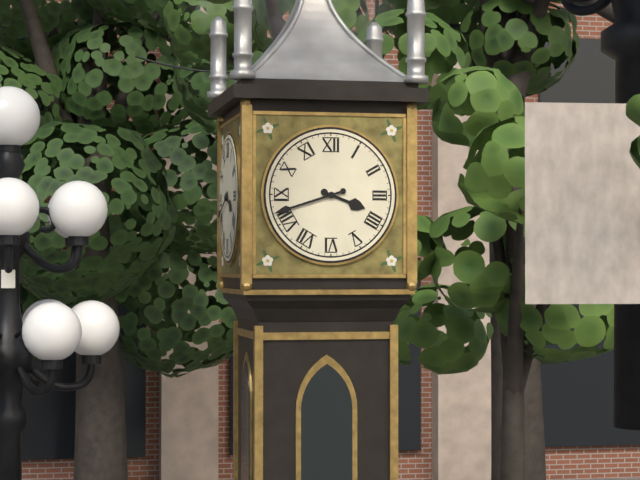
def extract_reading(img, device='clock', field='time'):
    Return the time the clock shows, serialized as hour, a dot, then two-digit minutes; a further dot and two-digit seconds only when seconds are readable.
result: 3.42
